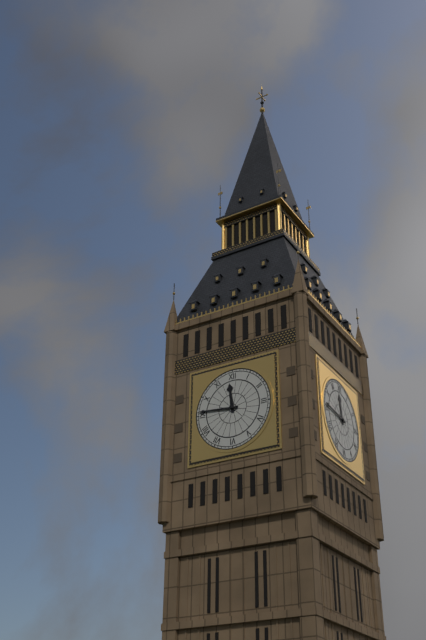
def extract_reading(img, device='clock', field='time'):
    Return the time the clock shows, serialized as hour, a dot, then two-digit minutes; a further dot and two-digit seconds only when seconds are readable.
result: 11.46
